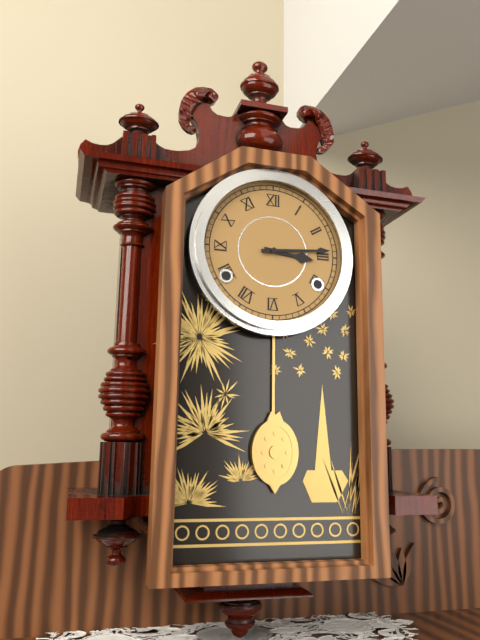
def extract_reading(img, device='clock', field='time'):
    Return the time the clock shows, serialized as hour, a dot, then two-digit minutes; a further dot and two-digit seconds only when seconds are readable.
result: 3.14
